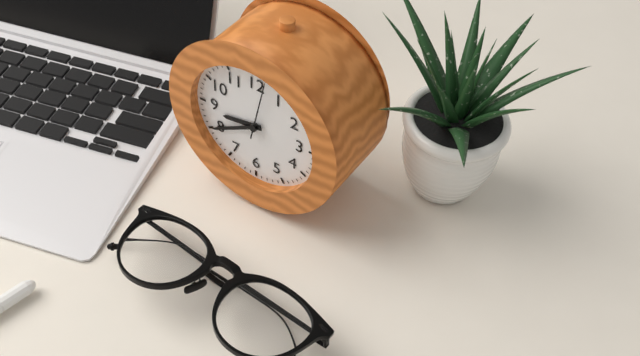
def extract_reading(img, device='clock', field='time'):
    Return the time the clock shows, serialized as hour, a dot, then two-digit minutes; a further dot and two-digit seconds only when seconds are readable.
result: 8.40.02
